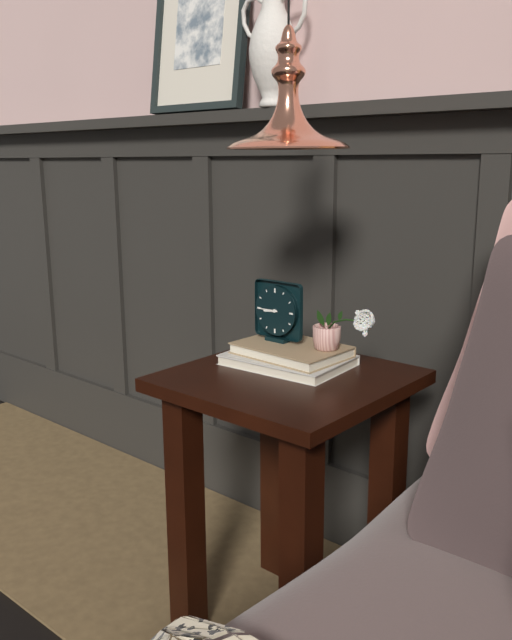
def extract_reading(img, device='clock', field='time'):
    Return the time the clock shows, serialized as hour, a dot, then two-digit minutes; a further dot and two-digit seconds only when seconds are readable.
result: 8.45
